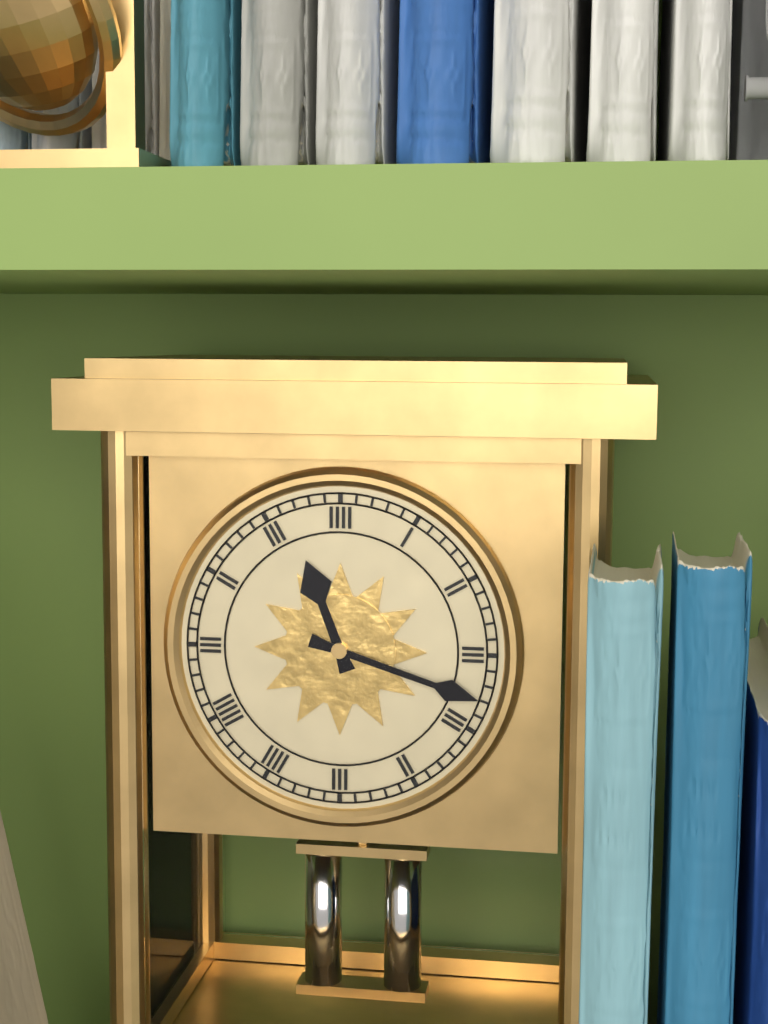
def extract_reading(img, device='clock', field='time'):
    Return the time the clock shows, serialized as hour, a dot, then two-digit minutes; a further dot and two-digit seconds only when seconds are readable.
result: 11.18
